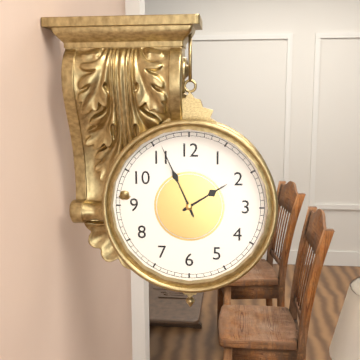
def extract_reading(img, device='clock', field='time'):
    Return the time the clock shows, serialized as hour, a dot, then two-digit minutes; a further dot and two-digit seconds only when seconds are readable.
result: 1.56
